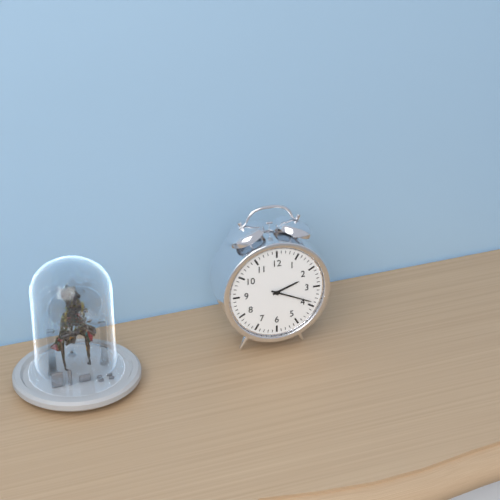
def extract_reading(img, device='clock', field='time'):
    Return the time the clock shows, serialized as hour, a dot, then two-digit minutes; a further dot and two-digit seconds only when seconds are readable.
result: 2.19
